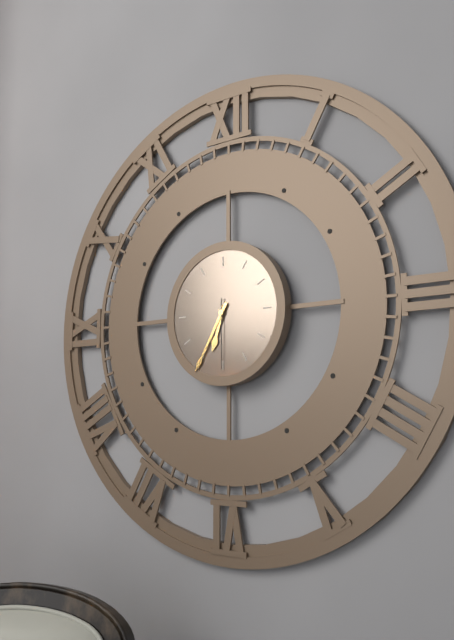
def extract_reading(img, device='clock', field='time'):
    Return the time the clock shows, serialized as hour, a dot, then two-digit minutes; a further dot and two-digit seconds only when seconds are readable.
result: 6.35.30
